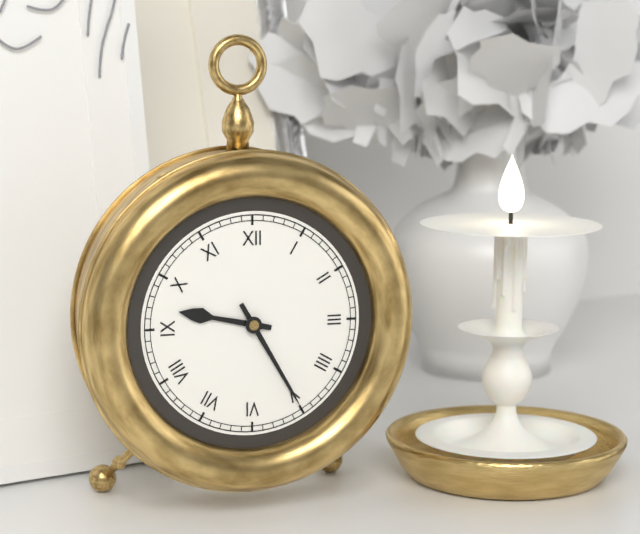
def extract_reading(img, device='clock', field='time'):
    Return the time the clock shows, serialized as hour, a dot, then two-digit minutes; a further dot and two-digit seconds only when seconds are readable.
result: 9.25
